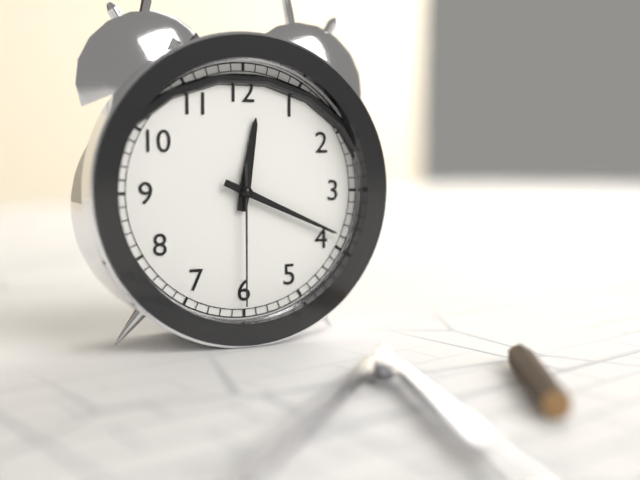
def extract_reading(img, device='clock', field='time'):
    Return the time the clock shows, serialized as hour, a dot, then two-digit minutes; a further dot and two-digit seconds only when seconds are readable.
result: 12.19.30
